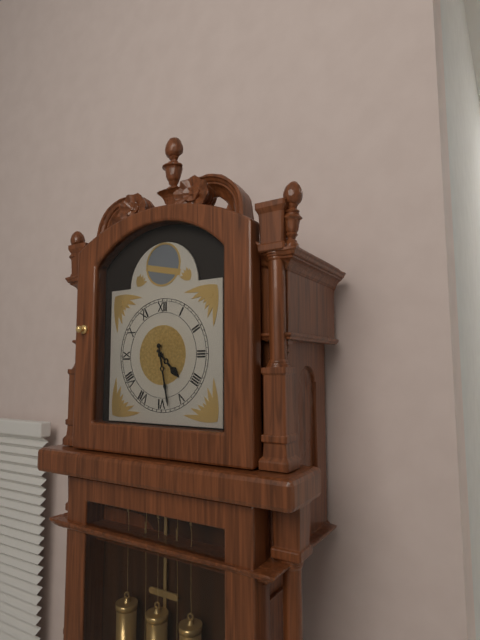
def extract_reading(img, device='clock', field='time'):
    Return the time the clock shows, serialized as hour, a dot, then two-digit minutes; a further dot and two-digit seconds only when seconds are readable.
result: 4.28
